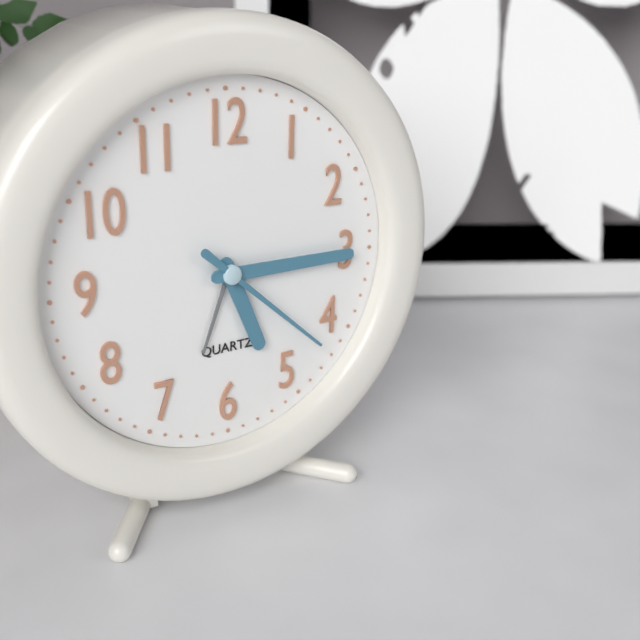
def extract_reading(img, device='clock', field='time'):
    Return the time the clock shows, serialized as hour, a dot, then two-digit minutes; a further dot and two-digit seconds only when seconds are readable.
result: 5.15.22
